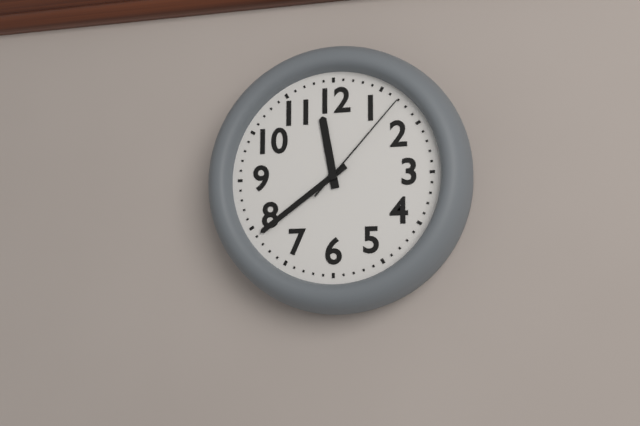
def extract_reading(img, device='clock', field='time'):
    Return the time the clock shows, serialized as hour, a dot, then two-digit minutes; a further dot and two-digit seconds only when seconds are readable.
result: 11.39.07
